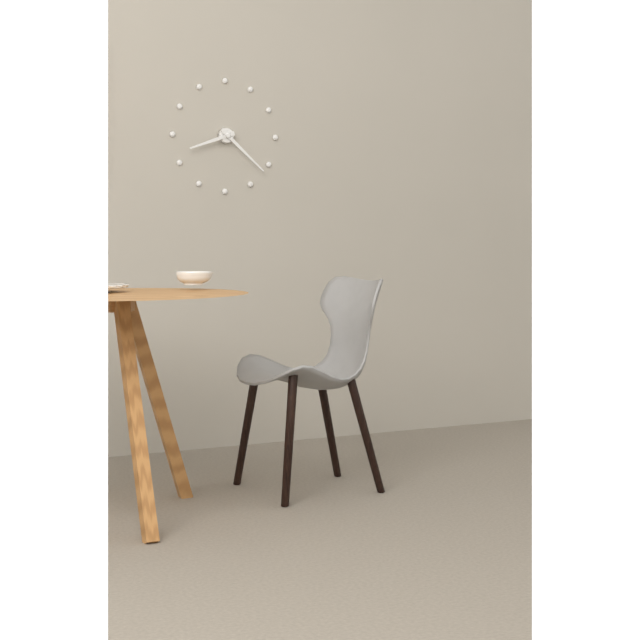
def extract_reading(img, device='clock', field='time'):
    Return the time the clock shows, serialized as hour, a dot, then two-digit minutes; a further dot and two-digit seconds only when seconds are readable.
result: 8.22
